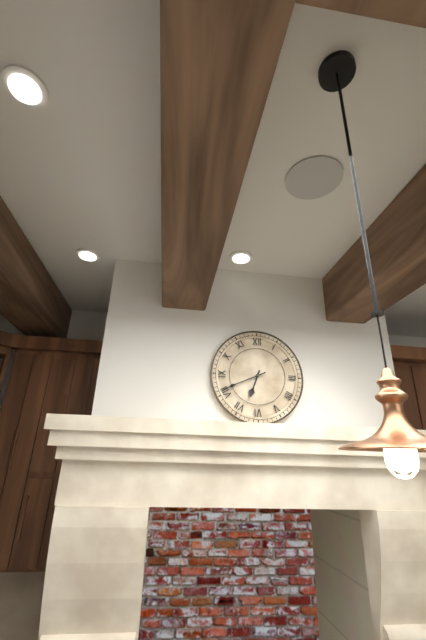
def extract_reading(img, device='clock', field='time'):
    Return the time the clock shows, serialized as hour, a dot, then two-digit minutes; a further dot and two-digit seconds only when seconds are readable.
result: 6.41
